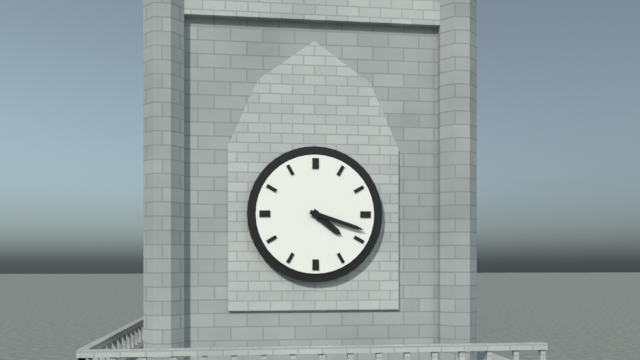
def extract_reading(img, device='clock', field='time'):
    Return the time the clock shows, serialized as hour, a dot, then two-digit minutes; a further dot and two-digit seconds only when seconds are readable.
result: 4.18
